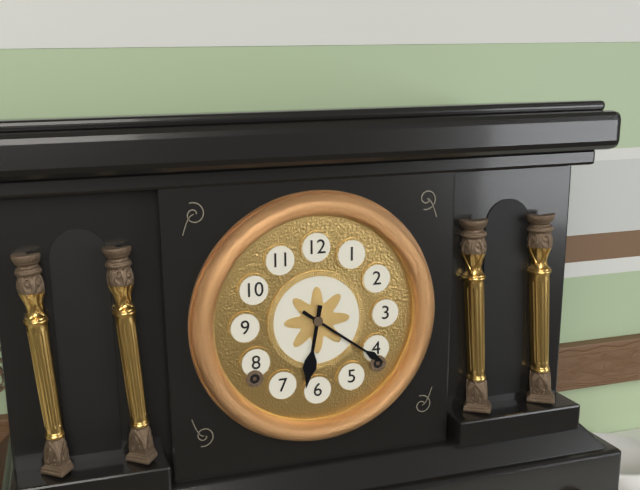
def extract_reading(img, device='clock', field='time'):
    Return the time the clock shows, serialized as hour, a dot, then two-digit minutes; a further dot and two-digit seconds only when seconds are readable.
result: 6.21
